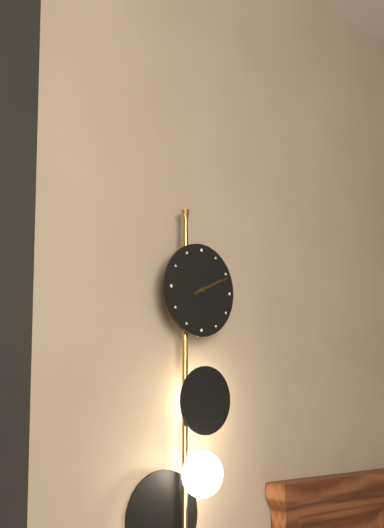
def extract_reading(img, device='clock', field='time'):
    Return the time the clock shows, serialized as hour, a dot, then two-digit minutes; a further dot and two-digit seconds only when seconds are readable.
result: 2.11
